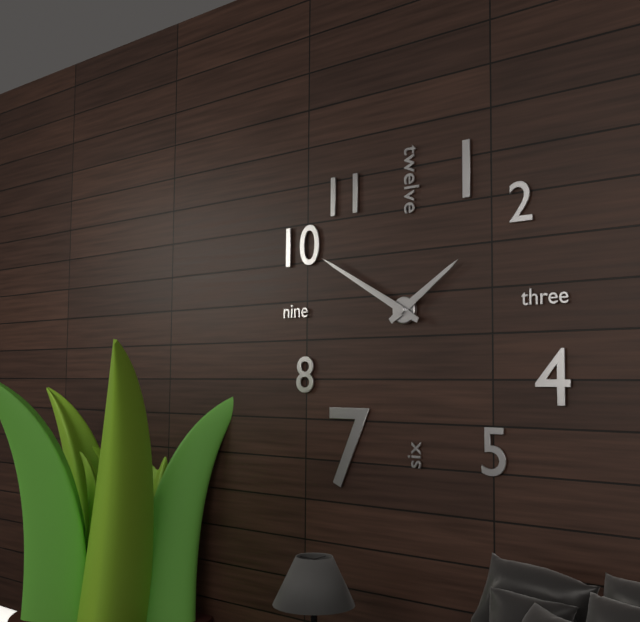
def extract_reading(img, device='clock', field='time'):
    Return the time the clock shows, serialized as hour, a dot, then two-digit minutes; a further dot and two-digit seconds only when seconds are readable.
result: 1.50
